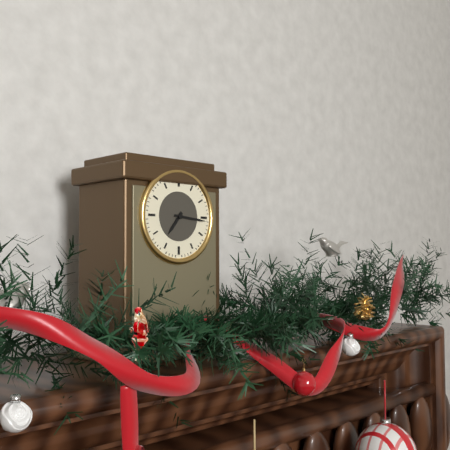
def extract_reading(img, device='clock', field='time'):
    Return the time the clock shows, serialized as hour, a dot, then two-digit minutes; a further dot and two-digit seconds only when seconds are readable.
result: 7.16
